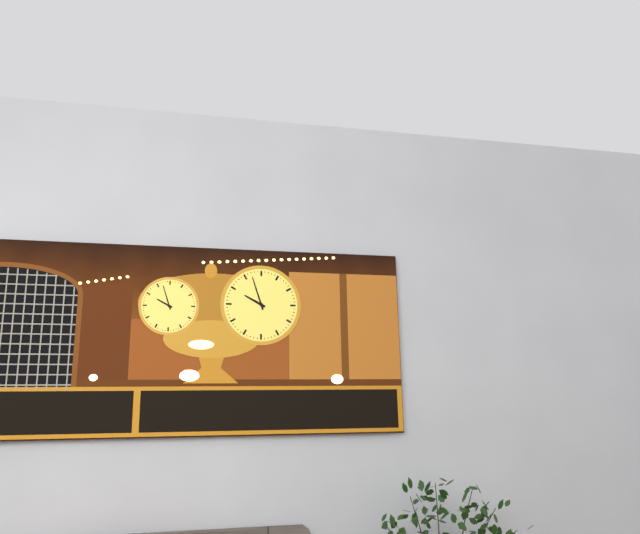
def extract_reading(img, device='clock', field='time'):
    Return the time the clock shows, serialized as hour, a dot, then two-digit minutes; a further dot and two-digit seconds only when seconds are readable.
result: 9.57
